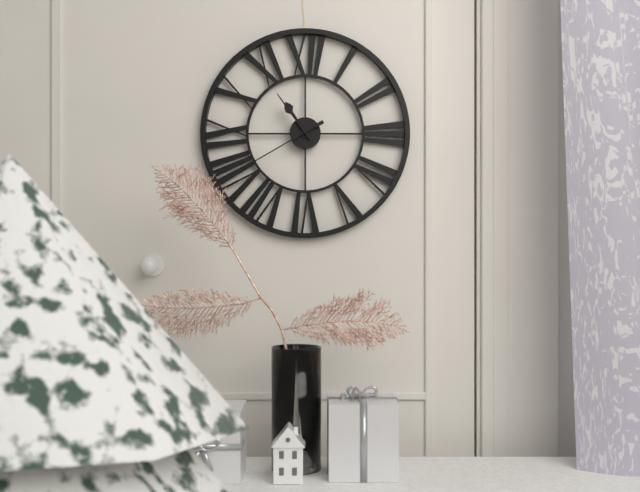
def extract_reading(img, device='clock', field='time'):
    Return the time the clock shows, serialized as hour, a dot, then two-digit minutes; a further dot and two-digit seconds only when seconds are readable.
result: 10.54.40
